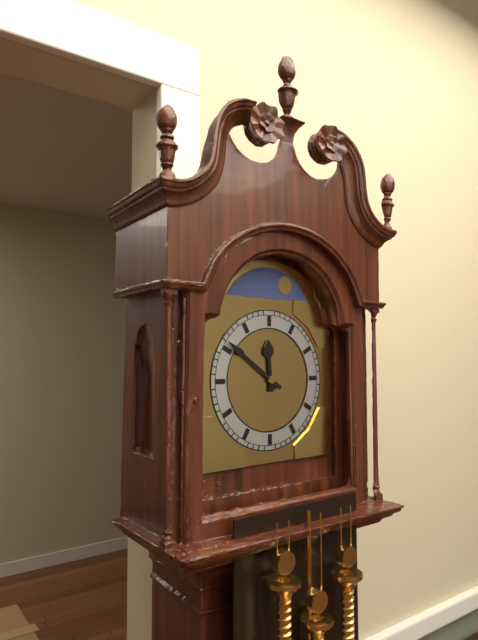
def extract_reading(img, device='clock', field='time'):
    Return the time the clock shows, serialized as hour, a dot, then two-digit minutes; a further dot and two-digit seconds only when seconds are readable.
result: 11.51
